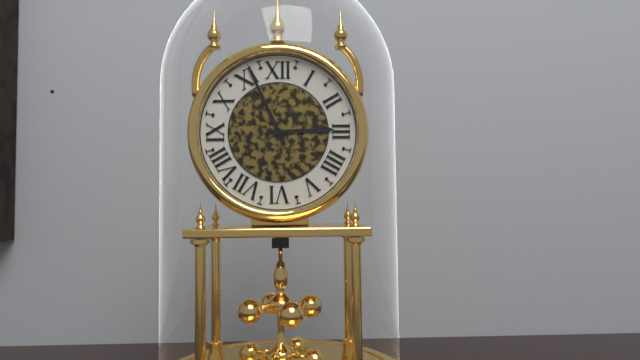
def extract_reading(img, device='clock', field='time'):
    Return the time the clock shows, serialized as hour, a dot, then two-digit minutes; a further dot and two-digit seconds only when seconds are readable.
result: 2.56
